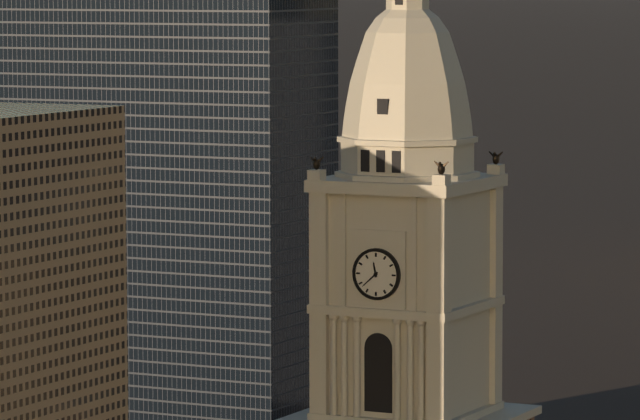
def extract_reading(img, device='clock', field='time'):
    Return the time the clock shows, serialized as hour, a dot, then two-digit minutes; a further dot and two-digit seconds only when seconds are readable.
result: 11.38
